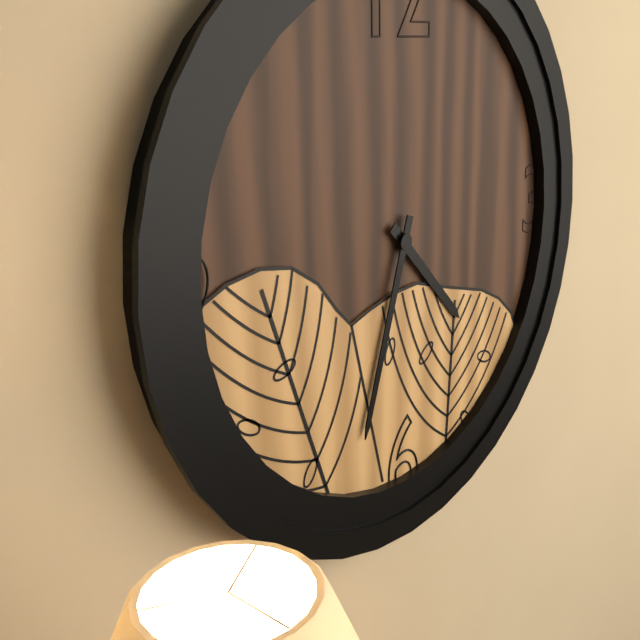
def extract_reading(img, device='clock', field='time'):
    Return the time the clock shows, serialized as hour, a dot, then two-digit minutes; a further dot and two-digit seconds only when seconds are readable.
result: 4.33
